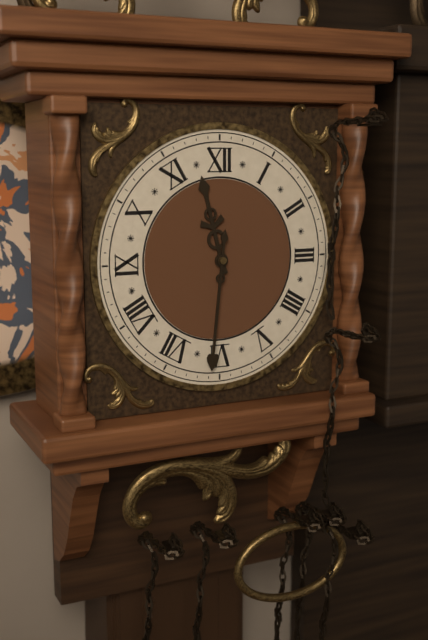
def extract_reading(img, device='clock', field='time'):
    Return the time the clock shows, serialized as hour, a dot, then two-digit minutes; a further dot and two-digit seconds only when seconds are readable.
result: 11.31
